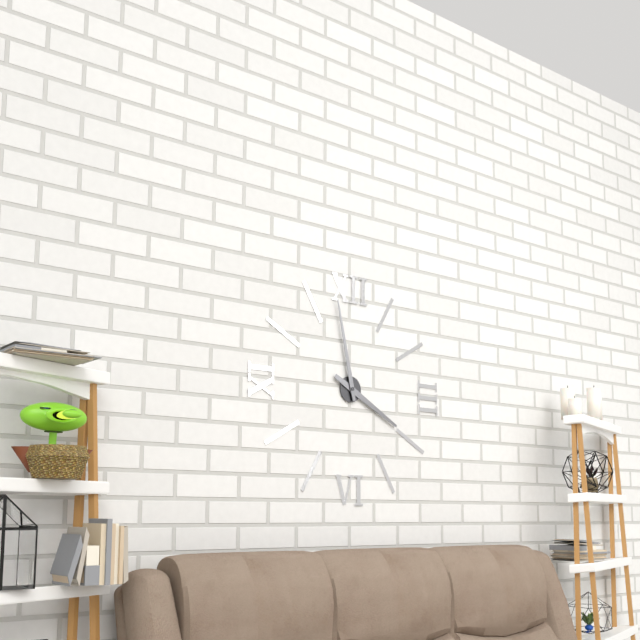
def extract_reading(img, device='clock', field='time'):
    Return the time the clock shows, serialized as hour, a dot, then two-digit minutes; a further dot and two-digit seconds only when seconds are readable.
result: 3.58
